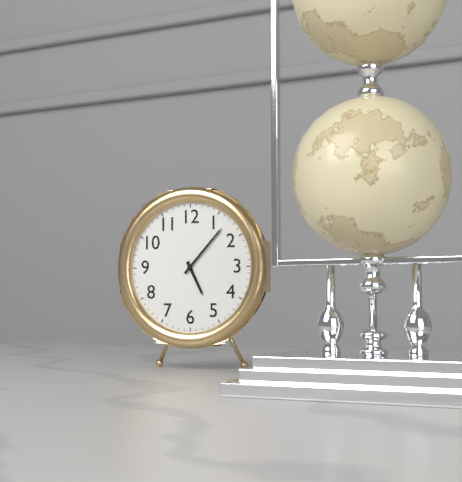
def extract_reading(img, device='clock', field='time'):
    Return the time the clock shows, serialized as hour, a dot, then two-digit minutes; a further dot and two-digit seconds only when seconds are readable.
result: 5.07
